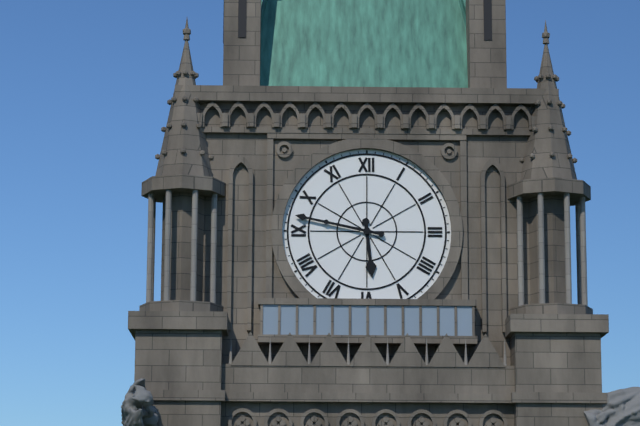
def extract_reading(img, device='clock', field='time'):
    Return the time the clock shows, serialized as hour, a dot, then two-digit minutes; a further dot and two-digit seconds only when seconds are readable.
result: 5.47
